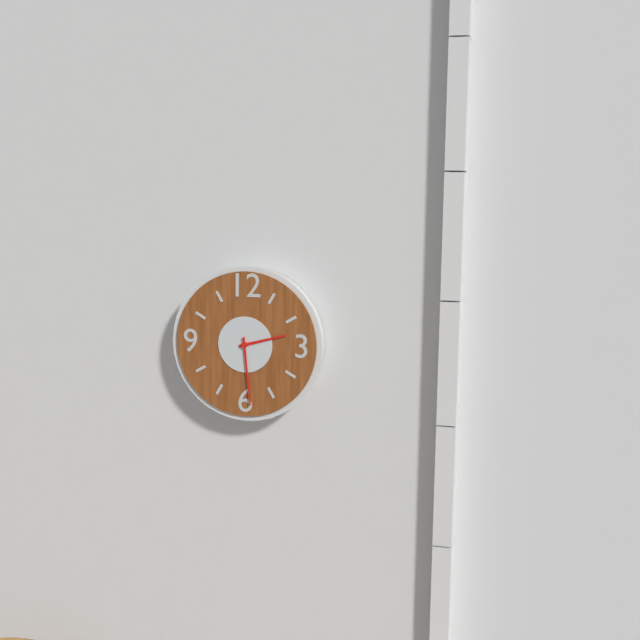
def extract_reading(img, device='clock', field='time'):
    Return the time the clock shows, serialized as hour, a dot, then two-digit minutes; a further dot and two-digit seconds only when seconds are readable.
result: 2.29
